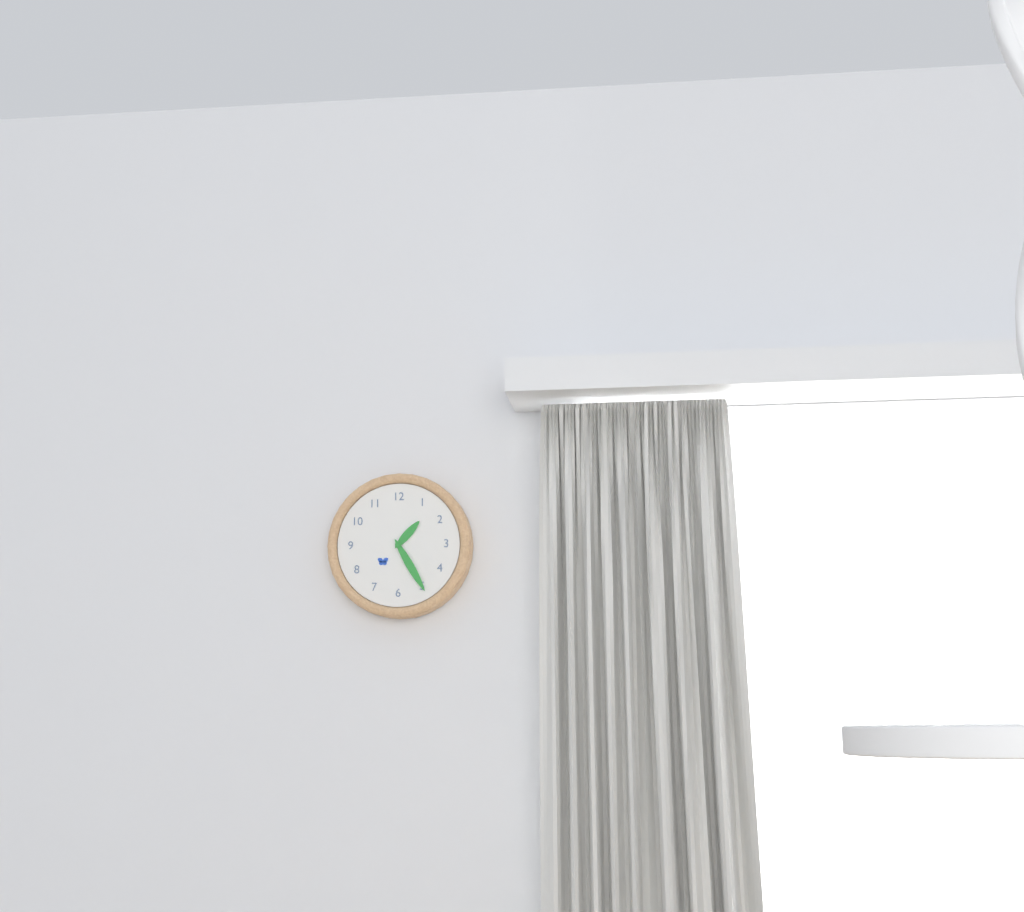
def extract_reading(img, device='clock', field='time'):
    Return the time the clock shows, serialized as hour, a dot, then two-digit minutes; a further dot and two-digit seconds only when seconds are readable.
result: 1.25
